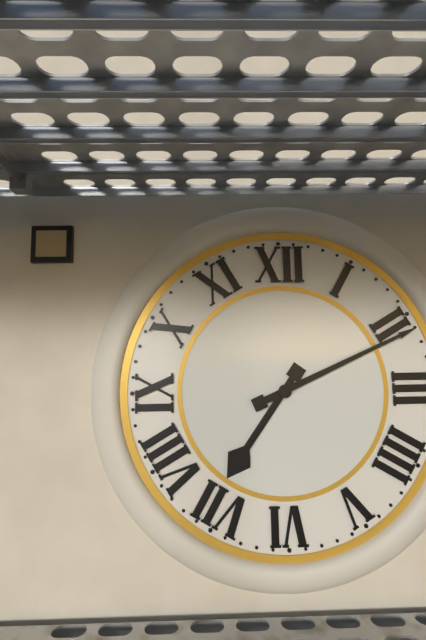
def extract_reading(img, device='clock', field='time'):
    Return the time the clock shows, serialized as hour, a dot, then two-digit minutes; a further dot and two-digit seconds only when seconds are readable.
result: 7.11
